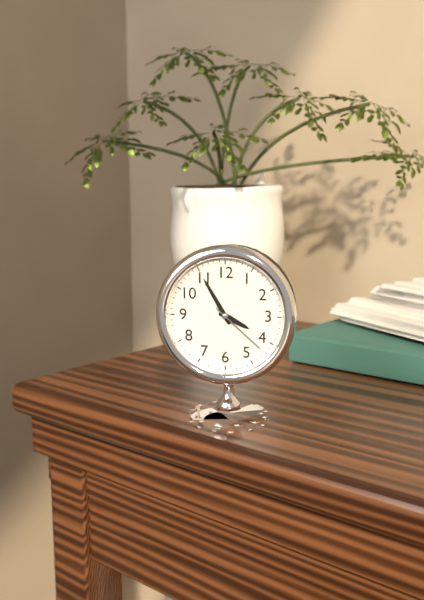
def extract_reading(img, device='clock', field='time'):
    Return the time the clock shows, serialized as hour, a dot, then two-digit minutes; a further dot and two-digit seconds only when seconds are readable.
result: 3.55.22
